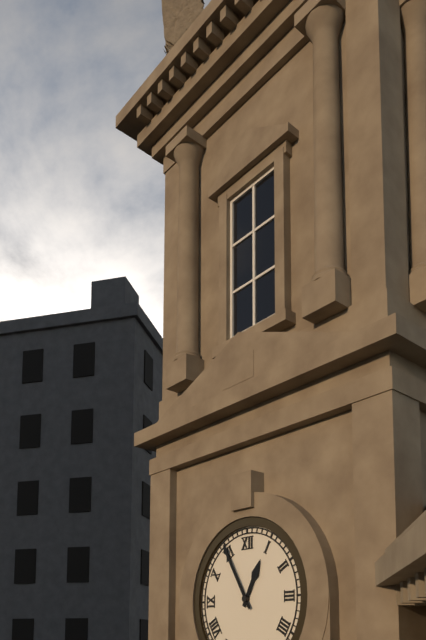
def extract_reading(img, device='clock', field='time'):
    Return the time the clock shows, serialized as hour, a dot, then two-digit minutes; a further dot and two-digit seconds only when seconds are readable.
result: 12.55
